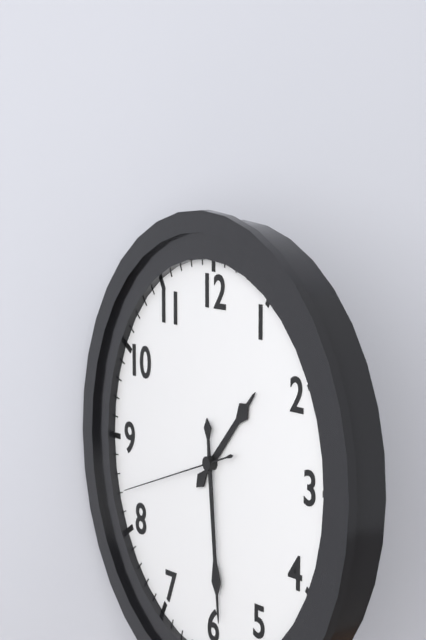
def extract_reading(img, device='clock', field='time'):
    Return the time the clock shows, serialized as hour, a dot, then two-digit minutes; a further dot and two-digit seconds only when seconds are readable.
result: 1.29.42
